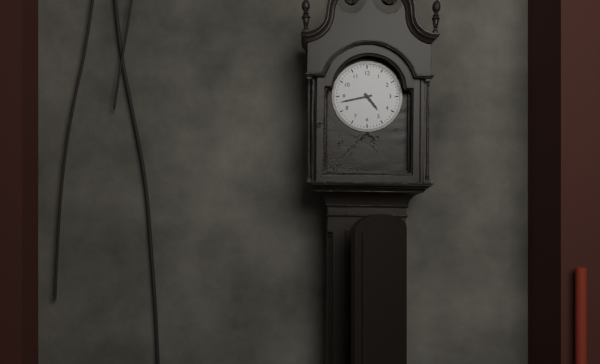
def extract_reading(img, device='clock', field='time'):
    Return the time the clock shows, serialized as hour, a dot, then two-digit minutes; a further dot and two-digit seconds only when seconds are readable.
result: 4.43
